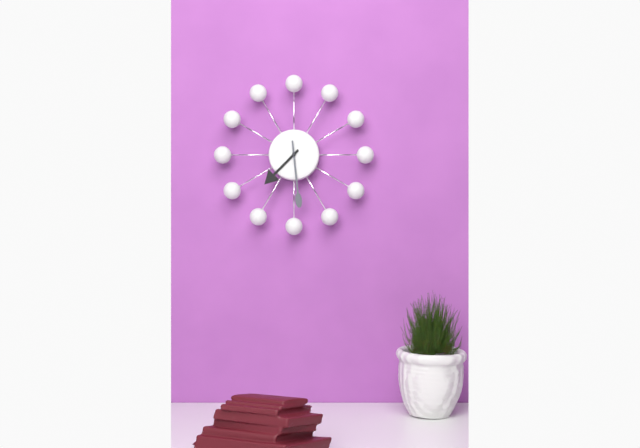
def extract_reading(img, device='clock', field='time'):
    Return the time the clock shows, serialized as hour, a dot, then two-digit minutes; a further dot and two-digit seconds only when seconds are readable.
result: 7.29
